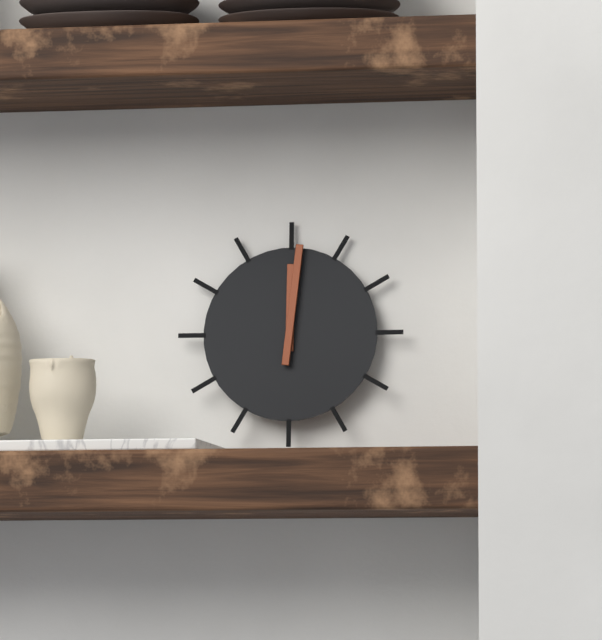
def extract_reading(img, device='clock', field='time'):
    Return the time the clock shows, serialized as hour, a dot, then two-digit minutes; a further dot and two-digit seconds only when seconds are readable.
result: 12.01
